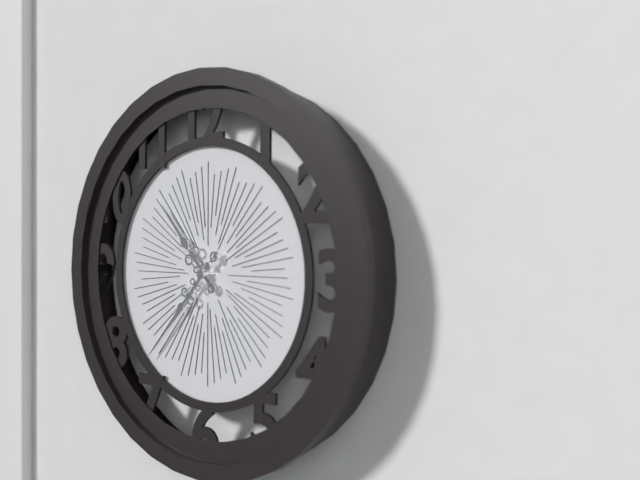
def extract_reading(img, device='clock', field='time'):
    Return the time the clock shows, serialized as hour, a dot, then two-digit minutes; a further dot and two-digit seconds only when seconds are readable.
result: 10.37
